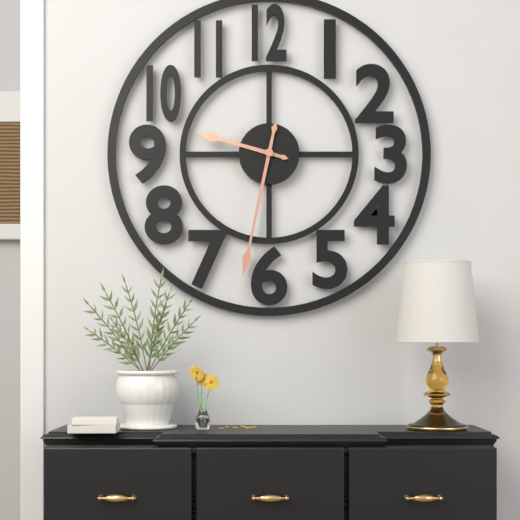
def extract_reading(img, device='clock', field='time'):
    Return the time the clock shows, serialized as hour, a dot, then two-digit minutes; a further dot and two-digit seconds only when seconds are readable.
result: 9.32
